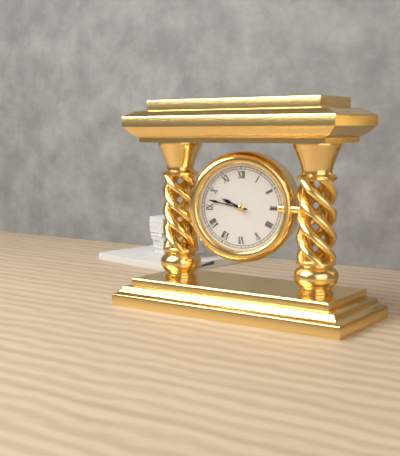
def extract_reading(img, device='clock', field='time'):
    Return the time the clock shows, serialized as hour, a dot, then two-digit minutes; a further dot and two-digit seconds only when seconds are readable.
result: 9.47
